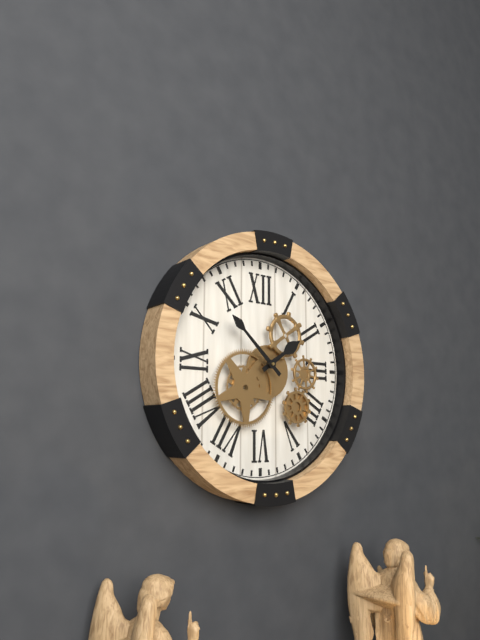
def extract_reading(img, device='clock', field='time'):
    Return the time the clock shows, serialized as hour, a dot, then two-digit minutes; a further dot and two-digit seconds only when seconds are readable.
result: 1.52
